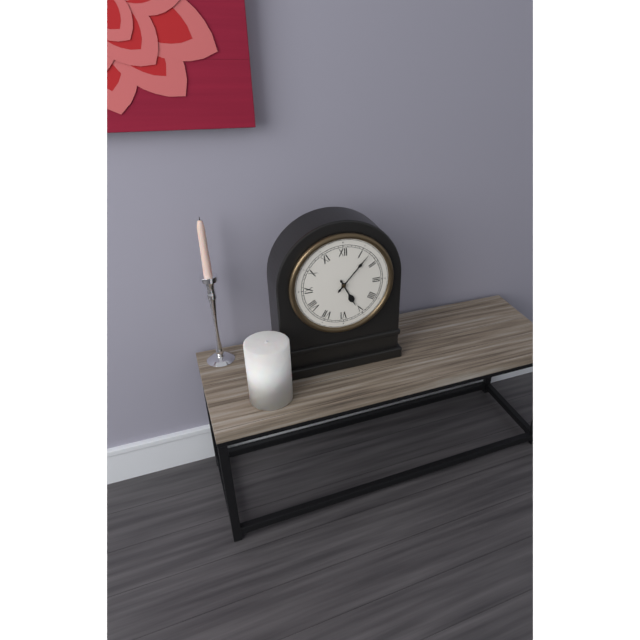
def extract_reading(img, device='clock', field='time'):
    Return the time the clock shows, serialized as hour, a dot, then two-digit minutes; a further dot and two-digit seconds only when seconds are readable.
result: 5.07
